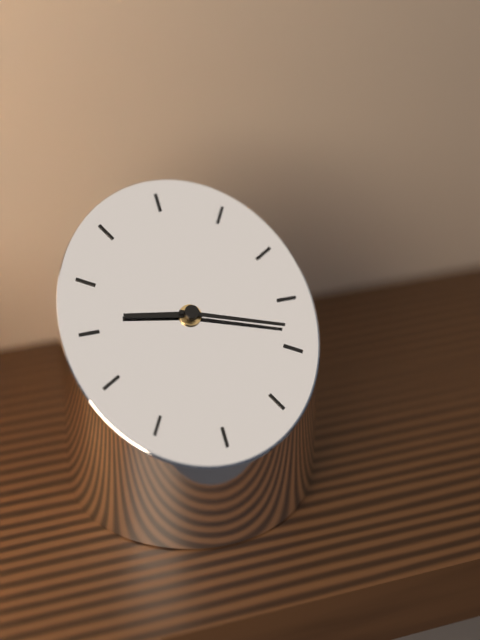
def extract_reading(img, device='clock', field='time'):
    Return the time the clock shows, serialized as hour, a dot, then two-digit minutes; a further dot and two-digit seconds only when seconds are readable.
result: 9.18
